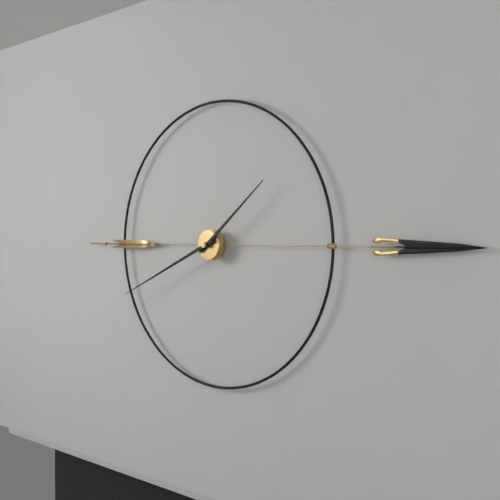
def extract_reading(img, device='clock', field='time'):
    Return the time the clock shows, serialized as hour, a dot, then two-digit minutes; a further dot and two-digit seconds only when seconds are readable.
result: 1.41
